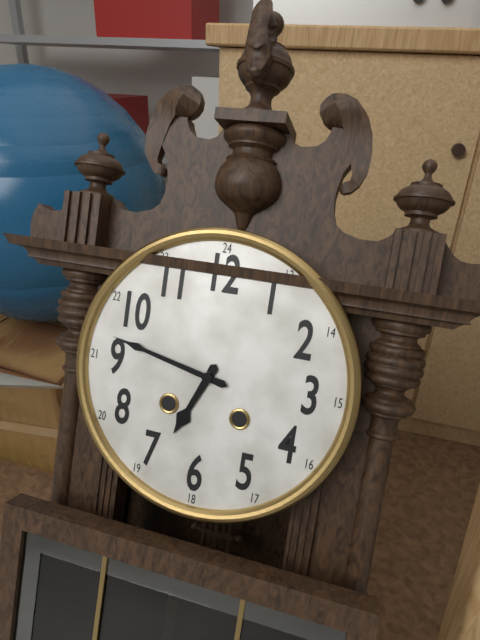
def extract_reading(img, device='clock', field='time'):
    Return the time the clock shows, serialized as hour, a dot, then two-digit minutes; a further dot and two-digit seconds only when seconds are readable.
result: 6.47
